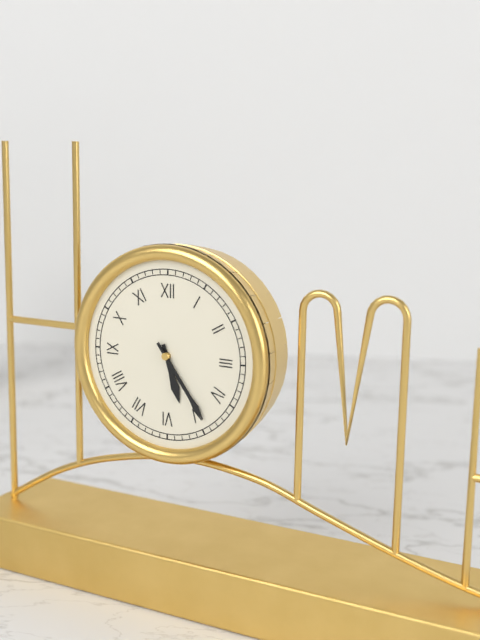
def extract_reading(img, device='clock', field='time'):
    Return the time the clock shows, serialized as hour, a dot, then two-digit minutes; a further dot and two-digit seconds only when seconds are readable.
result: 5.24
